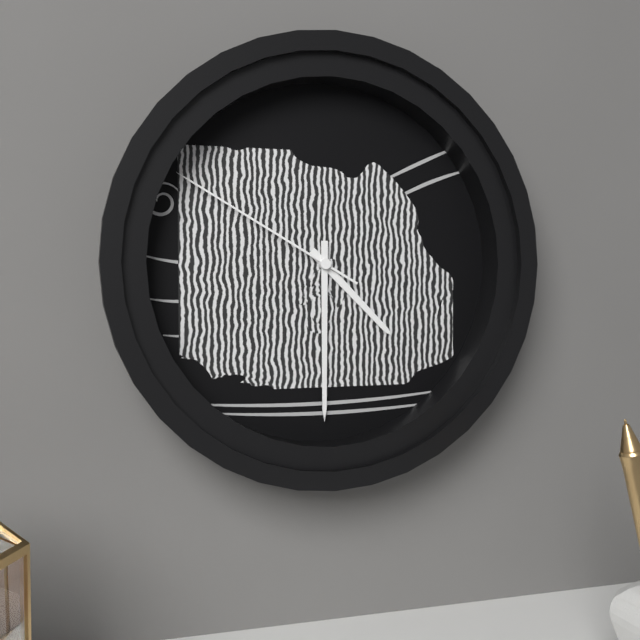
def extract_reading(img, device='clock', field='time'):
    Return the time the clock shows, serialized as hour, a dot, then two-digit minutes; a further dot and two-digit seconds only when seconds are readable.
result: 4.30.50
